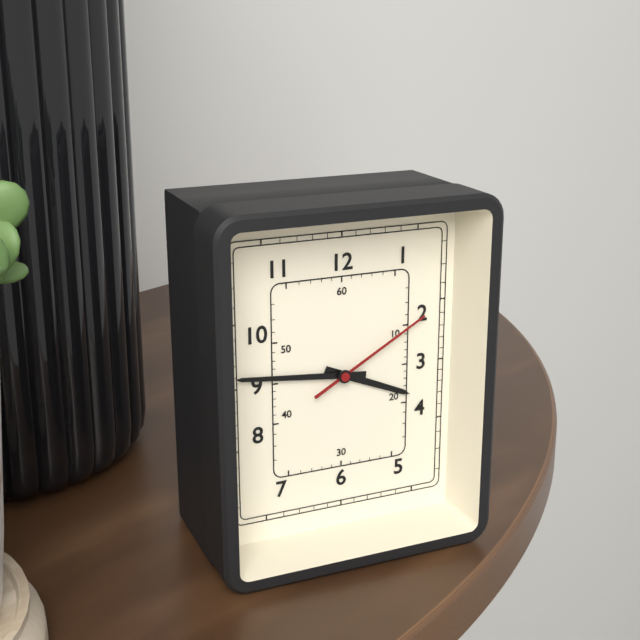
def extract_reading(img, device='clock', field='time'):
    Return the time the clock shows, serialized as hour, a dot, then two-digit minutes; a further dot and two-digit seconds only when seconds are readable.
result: 3.46.10
